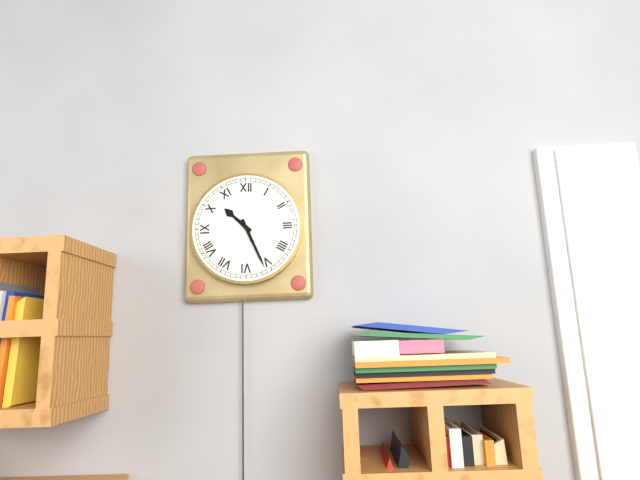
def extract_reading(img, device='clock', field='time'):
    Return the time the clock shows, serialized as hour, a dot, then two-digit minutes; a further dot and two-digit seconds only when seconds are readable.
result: 10.26
